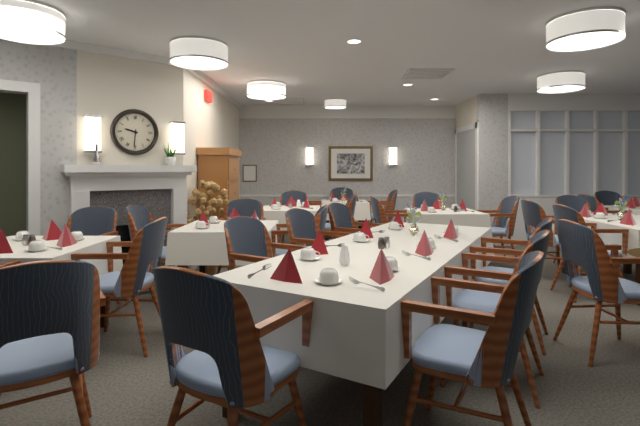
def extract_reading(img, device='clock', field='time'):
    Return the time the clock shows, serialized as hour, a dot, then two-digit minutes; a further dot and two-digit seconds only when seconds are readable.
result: 9.31
